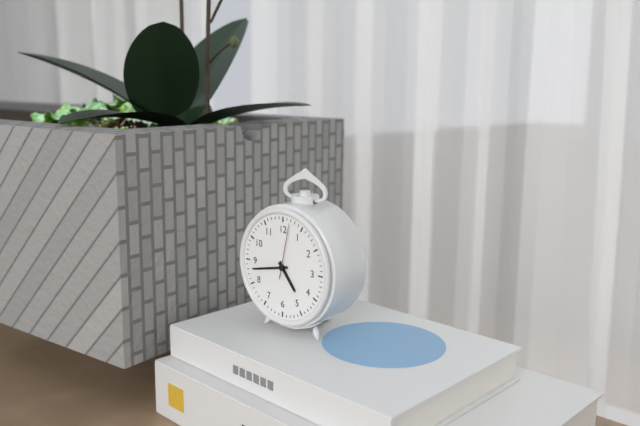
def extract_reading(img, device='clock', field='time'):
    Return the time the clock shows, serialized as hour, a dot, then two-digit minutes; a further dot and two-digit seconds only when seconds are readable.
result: 4.43.02
